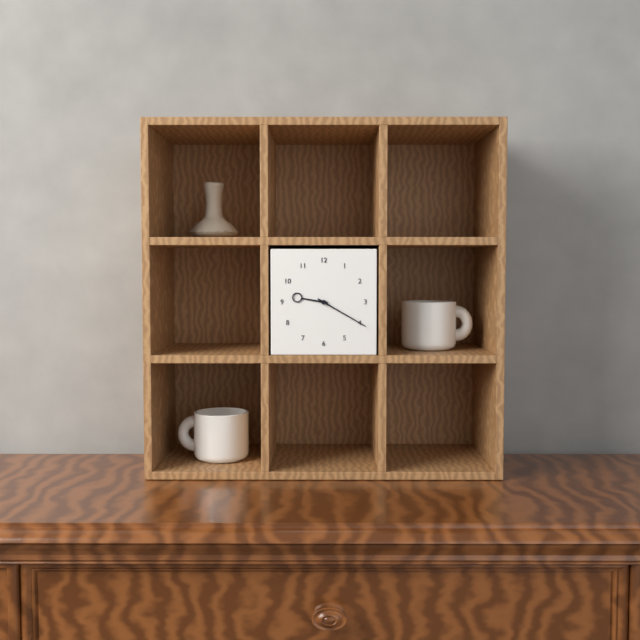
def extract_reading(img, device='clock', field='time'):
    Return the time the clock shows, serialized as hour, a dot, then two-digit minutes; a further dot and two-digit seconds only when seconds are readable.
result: 9.20
